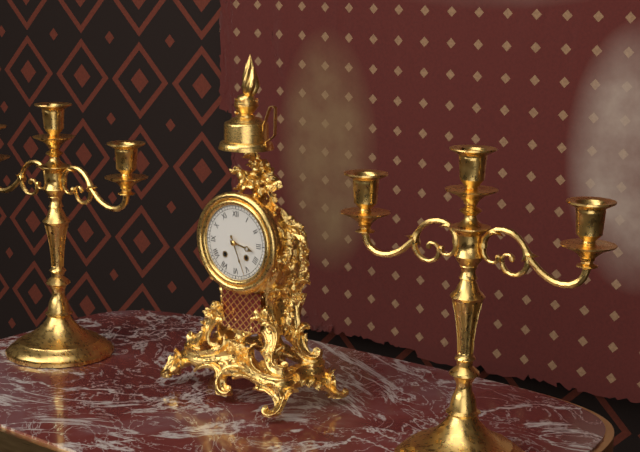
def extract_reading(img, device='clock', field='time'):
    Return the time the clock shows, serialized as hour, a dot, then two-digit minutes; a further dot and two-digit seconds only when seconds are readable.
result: 3.26
